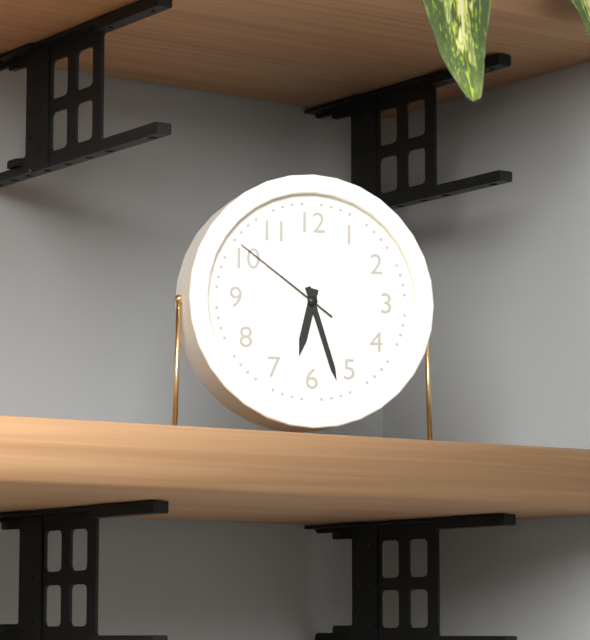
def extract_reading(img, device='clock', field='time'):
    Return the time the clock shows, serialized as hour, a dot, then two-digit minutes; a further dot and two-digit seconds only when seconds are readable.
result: 6.27.51
